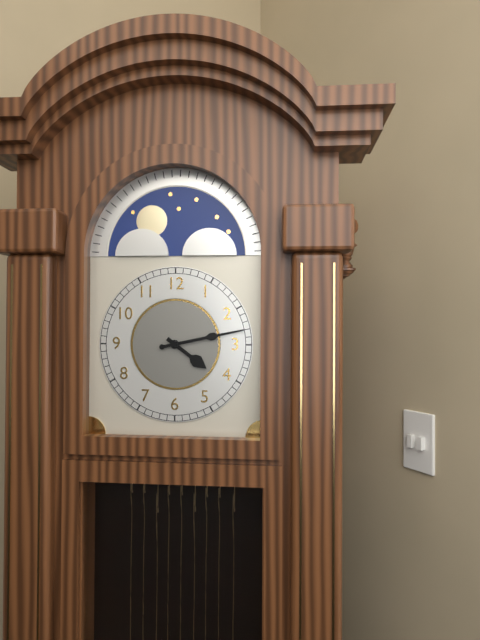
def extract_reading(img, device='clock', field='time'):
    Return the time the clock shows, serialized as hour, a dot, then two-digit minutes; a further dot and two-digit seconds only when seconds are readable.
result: 4.13
